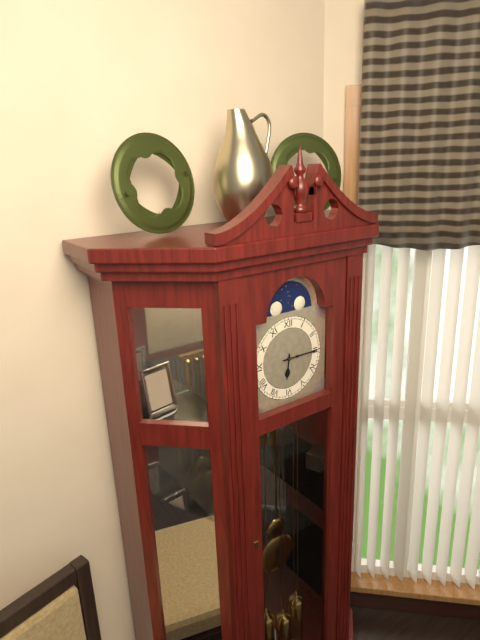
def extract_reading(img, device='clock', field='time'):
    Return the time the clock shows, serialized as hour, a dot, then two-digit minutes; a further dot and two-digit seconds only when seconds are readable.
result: 6.15
